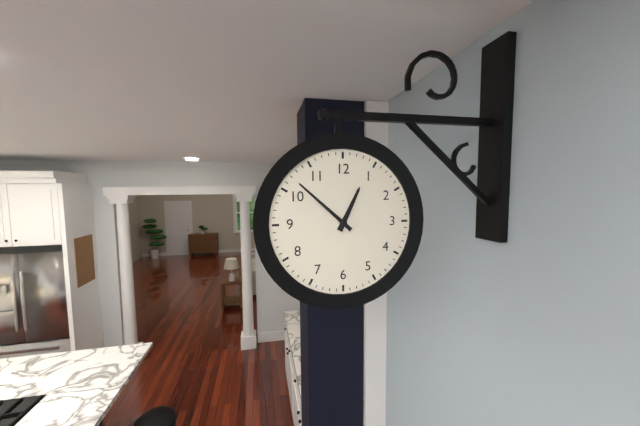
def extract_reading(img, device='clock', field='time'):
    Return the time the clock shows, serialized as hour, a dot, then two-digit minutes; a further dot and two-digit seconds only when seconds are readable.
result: 12.52
